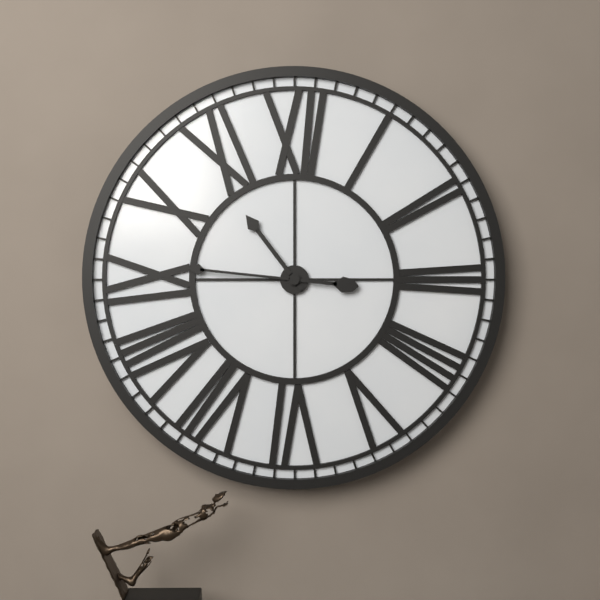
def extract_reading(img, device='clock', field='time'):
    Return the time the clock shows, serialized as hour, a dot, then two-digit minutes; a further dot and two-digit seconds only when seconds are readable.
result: 10.46
